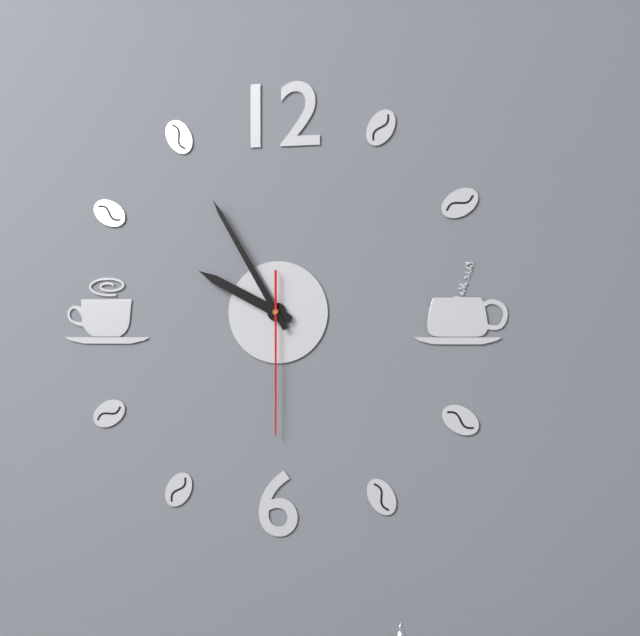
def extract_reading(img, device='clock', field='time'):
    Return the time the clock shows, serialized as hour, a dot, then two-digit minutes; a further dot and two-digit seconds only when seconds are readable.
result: 9.55.30
